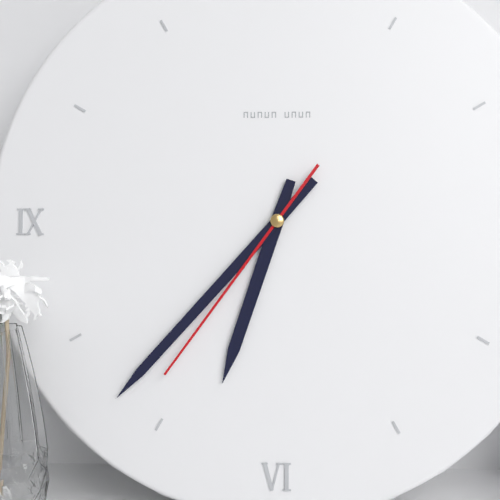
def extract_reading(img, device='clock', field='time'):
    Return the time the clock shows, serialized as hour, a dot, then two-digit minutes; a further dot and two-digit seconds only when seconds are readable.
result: 6.37.36
